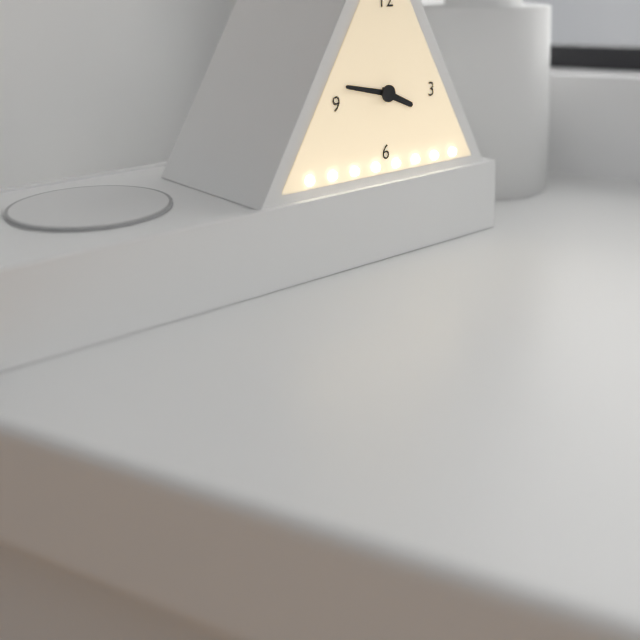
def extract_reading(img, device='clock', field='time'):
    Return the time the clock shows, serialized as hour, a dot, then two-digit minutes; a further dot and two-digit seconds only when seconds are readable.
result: 3.47
